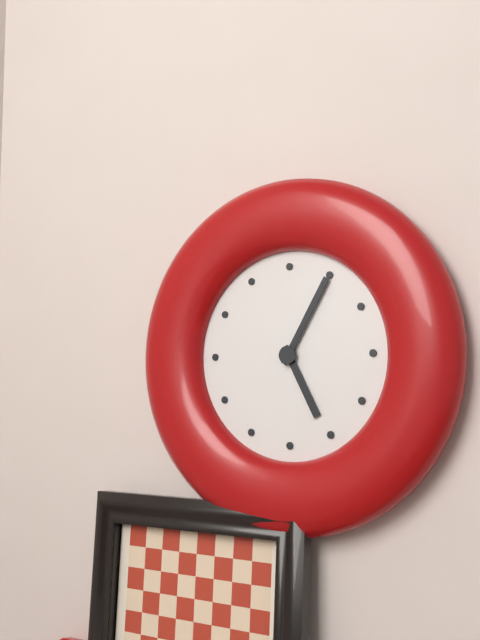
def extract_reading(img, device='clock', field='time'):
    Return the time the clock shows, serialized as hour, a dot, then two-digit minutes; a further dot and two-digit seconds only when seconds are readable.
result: 5.05
